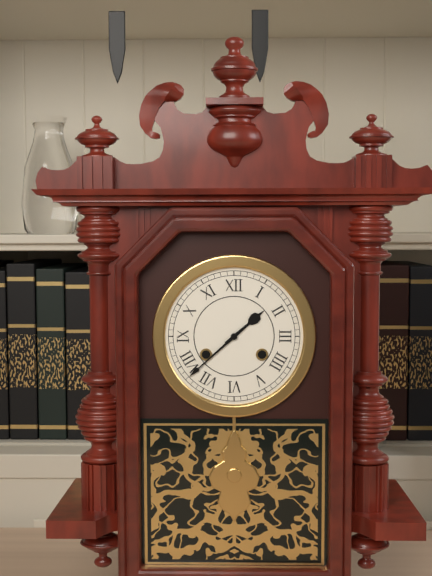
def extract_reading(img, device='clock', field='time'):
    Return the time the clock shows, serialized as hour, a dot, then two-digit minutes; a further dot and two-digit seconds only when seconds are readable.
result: 1.38
